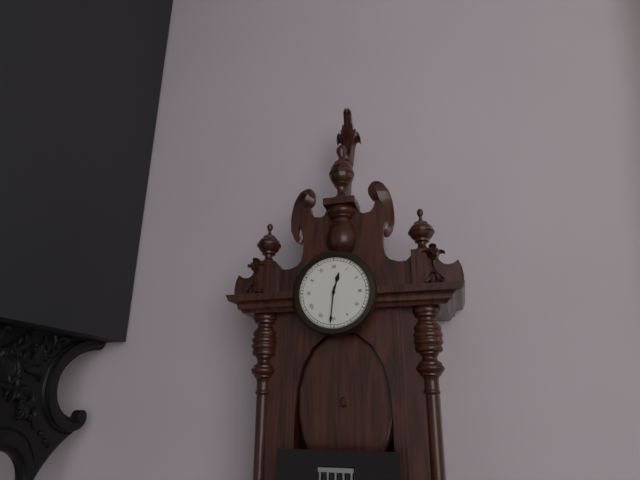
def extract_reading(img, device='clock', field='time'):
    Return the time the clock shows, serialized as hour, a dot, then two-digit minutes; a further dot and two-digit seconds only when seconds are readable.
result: 12.31
